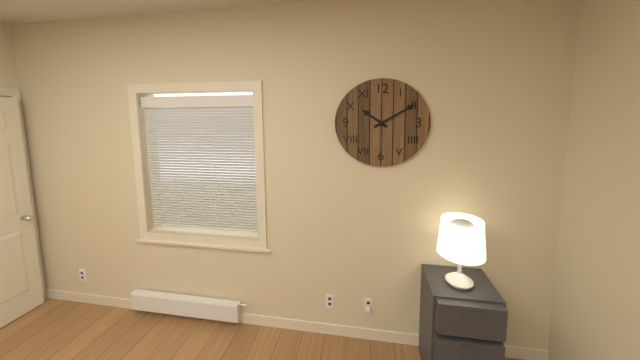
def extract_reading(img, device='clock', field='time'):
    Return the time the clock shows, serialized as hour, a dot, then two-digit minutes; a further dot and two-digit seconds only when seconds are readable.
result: 10.10
